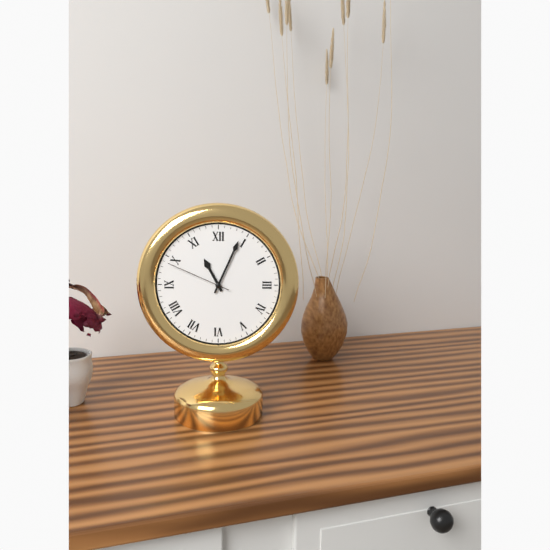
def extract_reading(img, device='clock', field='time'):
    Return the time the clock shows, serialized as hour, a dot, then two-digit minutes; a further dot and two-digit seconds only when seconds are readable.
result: 11.04.49
